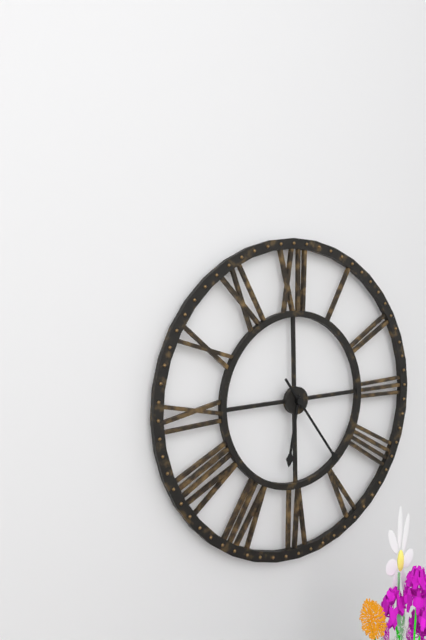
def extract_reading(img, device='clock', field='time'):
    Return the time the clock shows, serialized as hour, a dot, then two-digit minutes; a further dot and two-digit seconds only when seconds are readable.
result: 6.24
